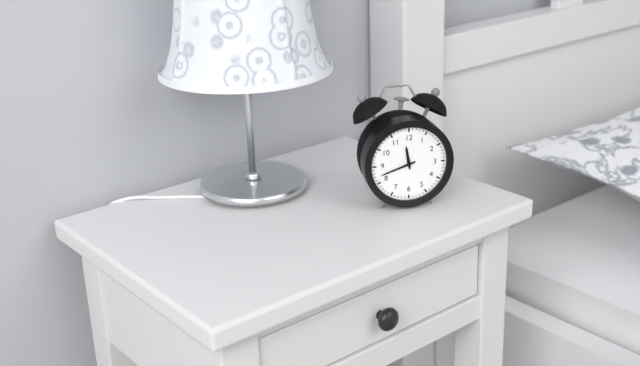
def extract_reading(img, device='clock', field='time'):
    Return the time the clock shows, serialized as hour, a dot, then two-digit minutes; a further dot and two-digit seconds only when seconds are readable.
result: 11.42
